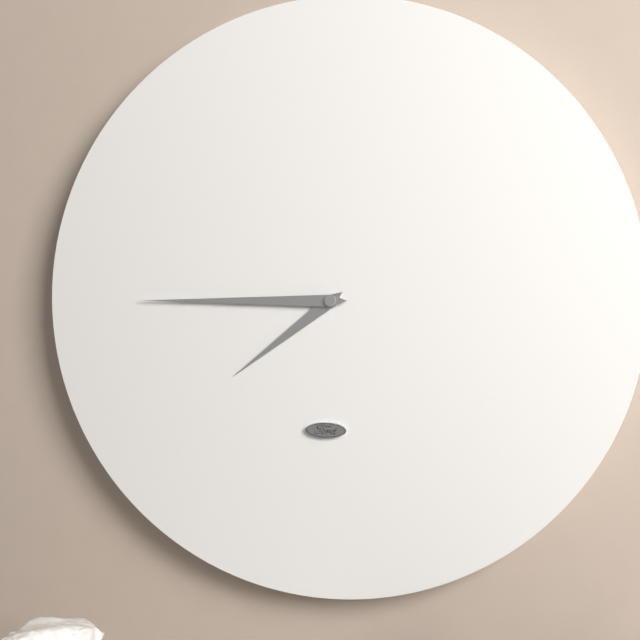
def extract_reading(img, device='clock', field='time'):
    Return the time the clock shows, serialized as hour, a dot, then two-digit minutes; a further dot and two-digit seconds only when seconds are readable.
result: 7.45
